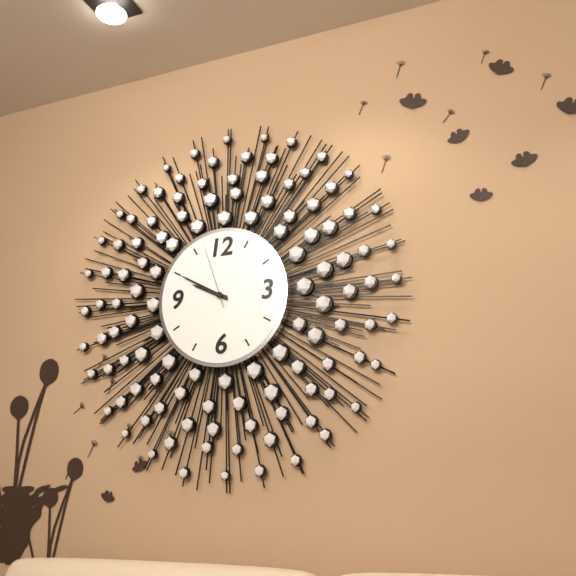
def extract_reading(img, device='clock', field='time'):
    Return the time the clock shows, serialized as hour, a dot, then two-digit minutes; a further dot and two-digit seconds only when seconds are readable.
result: 9.50.57
